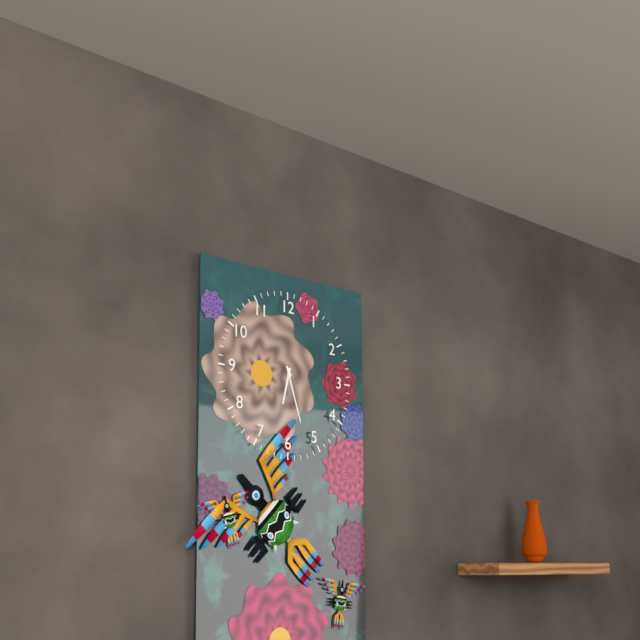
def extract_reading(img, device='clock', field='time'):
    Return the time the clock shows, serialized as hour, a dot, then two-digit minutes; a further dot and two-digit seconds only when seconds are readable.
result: 6.27
